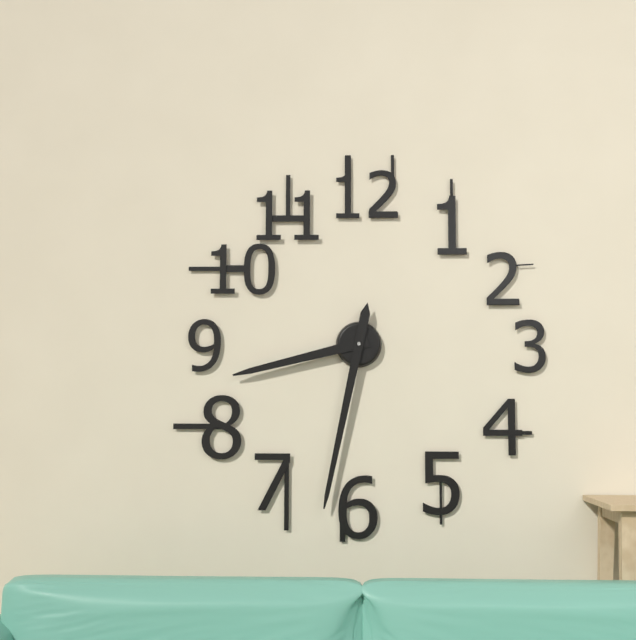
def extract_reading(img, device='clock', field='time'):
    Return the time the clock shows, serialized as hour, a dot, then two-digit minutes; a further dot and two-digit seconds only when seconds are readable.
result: 8.32
